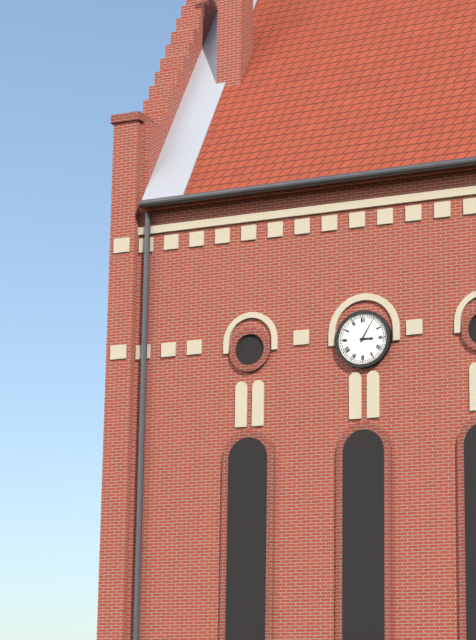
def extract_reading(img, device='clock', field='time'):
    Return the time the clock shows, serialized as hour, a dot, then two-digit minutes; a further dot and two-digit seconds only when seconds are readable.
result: 3.05
